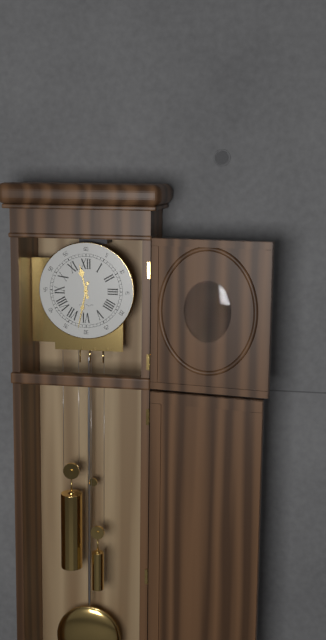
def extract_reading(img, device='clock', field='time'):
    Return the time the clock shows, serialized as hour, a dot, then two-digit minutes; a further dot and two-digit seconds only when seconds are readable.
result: 11.32
